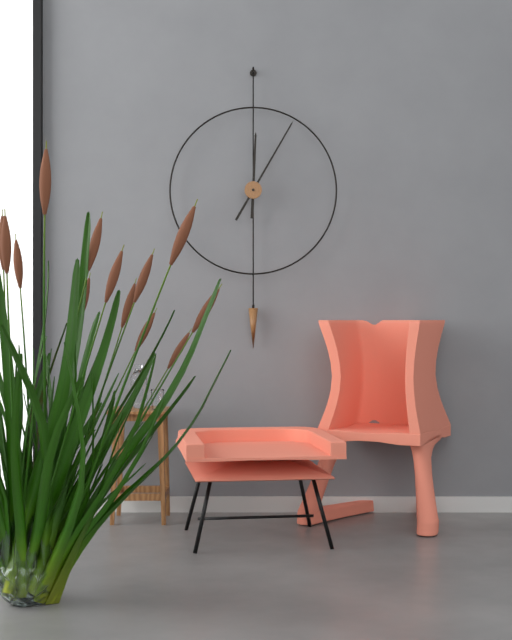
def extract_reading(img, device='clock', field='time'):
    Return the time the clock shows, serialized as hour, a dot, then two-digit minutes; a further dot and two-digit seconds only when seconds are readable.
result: 12.05
